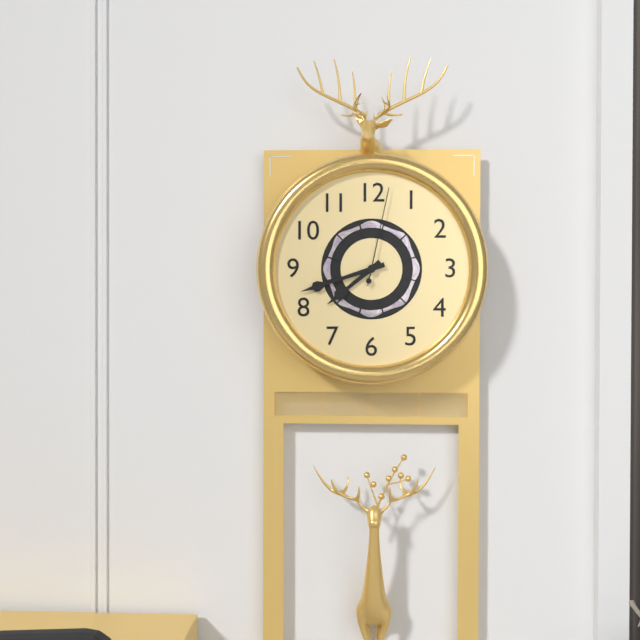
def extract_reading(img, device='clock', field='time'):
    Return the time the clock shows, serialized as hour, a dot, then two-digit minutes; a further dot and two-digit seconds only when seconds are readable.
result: 7.42.02
